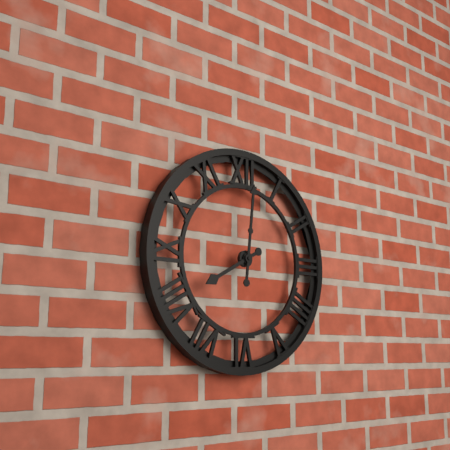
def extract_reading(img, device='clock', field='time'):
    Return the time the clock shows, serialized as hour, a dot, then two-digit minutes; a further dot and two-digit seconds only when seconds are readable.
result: 8.01
